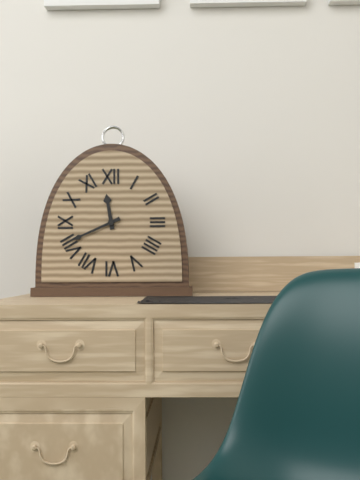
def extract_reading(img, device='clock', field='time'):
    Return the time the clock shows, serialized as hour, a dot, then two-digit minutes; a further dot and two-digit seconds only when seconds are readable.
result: 11.41
